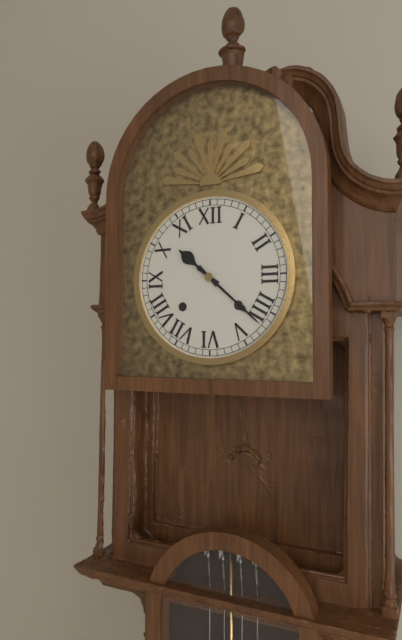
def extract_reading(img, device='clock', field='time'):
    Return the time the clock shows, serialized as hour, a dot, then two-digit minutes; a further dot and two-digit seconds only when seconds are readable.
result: 10.22
